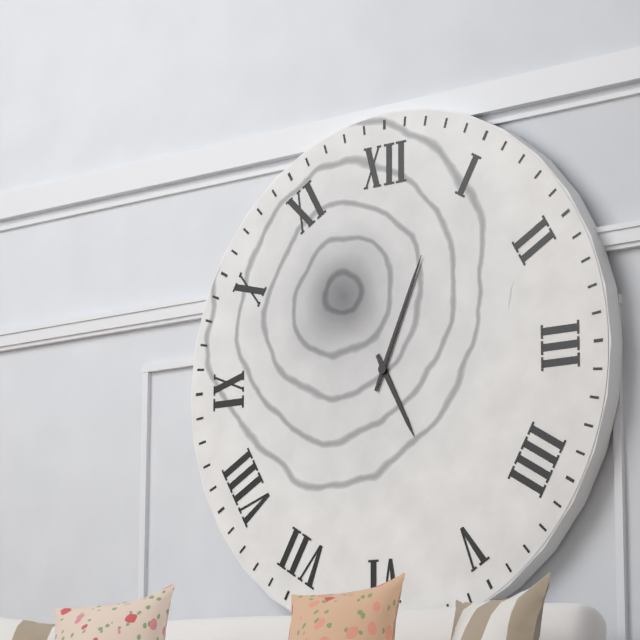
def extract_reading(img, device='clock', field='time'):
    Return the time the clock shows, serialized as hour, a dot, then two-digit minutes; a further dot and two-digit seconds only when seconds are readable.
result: 5.04
